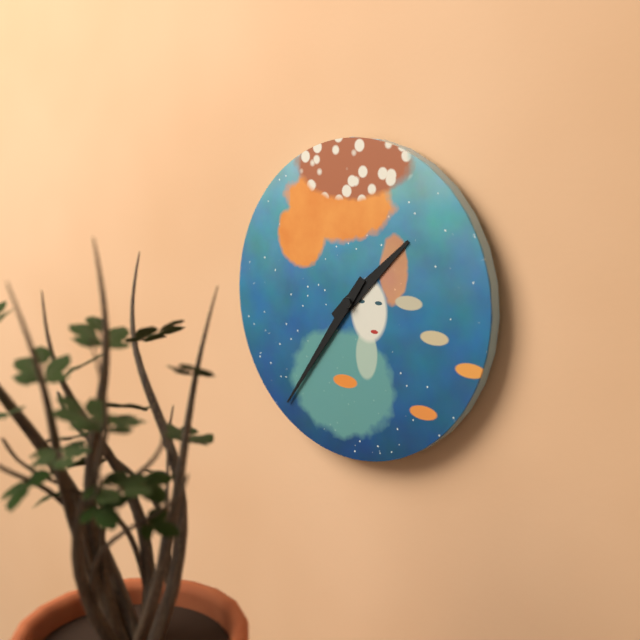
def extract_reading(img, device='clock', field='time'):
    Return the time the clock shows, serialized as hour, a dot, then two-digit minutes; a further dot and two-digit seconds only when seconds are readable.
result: 1.36
